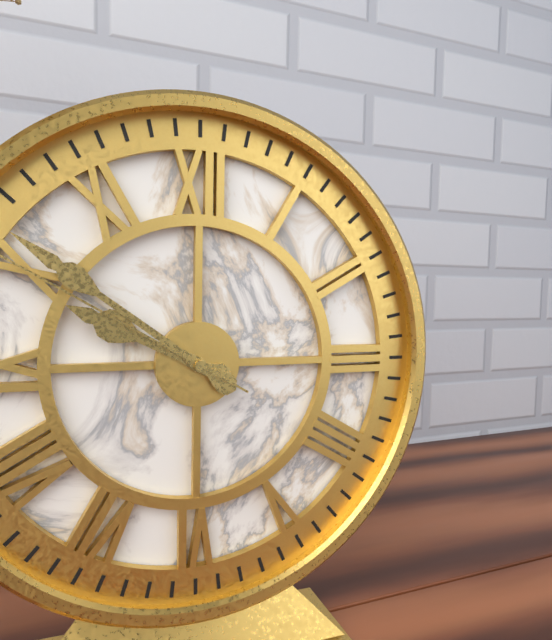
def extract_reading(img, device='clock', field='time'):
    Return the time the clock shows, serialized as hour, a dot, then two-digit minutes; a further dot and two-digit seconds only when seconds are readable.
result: 9.51
